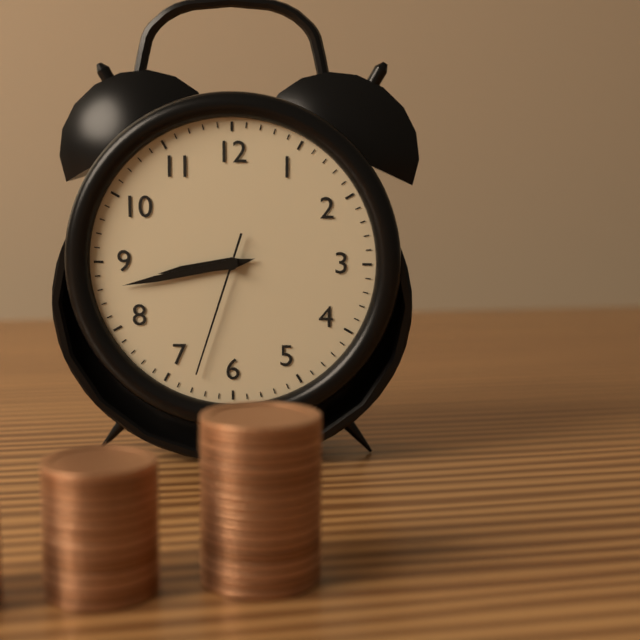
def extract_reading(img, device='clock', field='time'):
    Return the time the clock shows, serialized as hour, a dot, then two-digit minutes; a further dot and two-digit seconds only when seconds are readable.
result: 8.43.33
